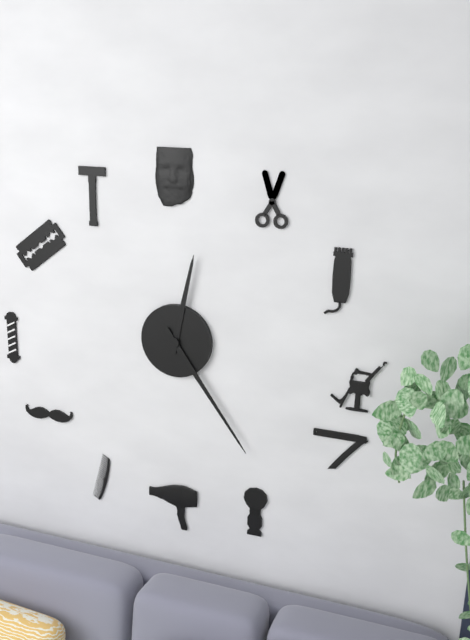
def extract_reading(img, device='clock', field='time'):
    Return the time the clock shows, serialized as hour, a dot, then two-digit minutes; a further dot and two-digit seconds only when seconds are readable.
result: 12.24
